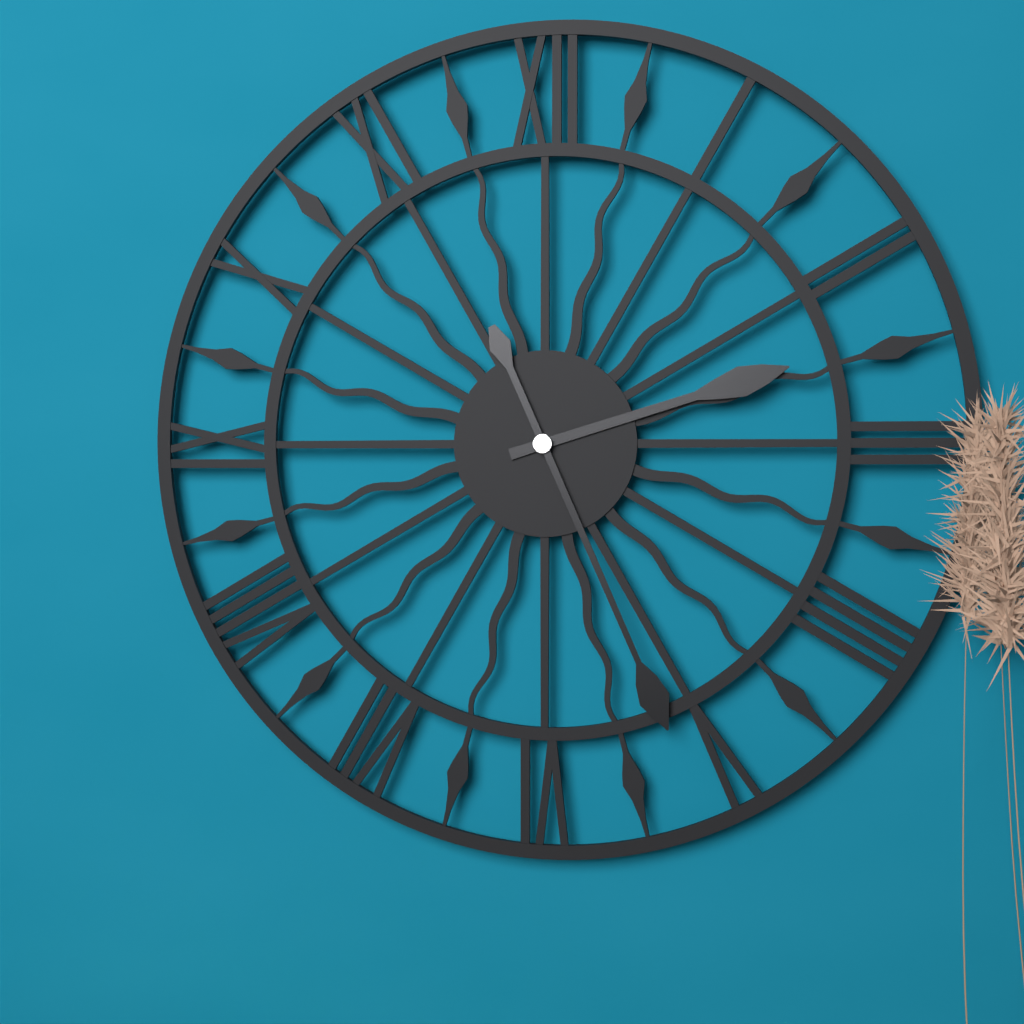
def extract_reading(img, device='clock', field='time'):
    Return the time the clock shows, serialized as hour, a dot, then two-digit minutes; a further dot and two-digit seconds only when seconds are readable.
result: 2.26
